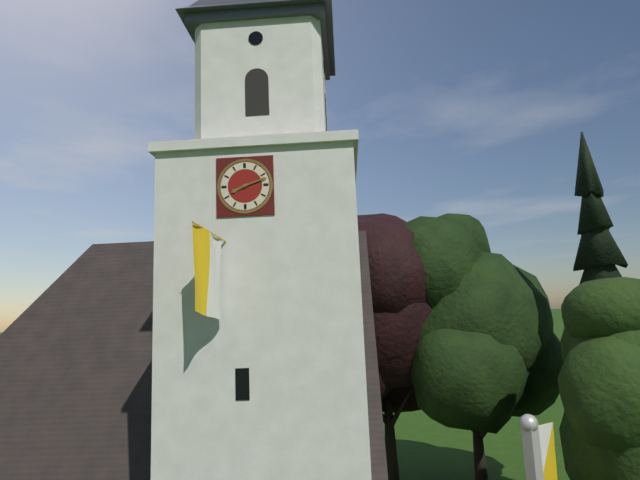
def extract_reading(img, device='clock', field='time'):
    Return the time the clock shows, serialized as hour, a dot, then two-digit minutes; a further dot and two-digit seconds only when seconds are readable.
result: 8.12
